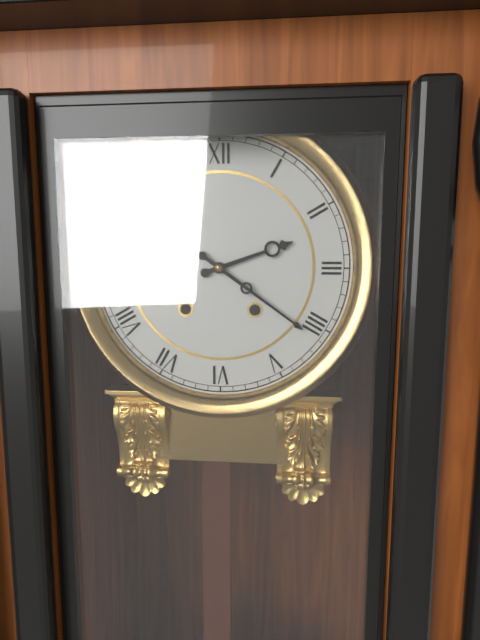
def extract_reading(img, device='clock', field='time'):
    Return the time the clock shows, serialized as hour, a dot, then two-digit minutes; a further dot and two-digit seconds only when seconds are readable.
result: 2.21
